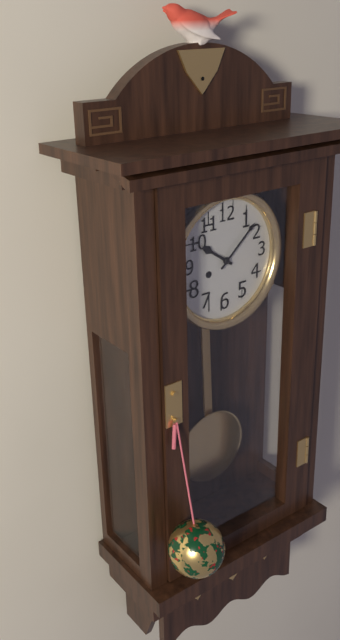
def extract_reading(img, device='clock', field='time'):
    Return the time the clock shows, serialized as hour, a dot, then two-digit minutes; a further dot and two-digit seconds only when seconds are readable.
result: 10.08
